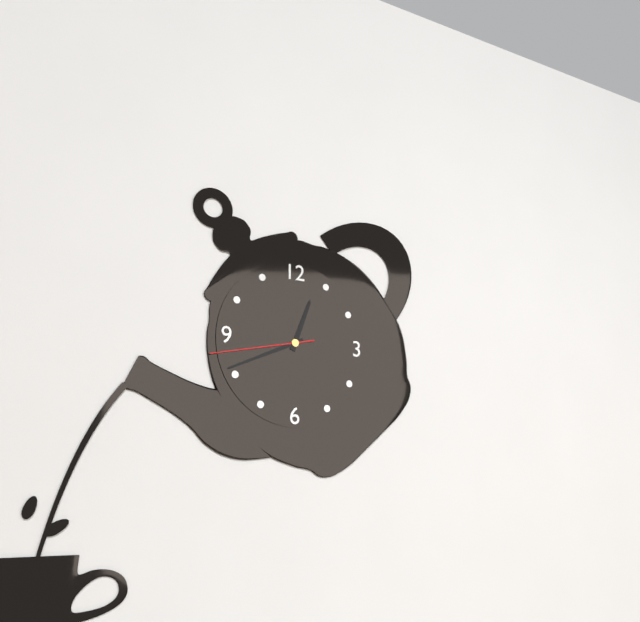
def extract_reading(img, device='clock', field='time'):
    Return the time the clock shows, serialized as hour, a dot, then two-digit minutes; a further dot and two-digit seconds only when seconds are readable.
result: 12.41.43
